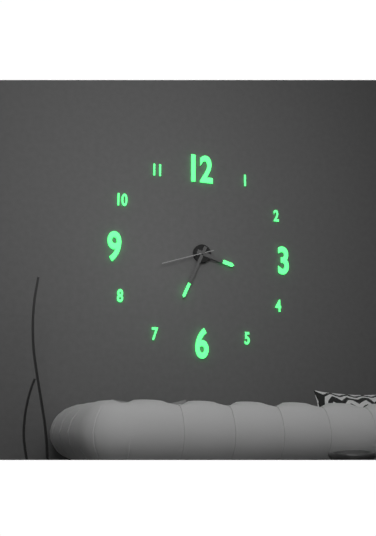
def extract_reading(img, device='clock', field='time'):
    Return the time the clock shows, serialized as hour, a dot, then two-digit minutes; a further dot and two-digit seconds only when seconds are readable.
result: 3.34.42
